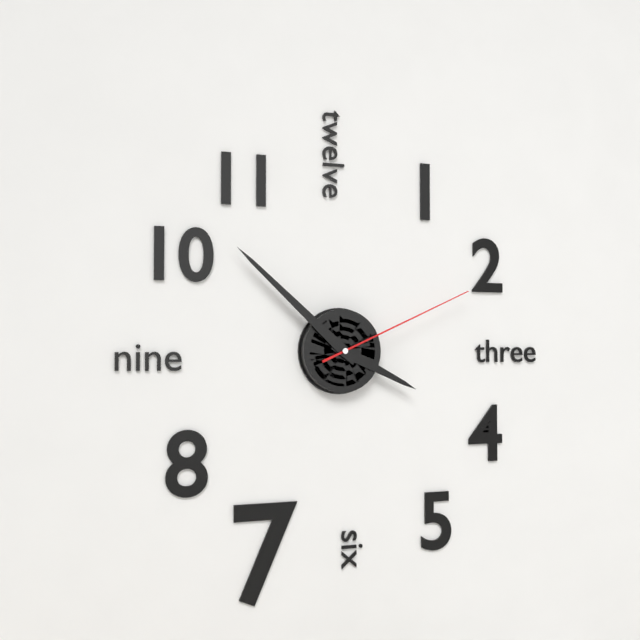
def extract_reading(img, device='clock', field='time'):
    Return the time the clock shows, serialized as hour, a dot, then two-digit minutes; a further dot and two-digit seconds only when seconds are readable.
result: 3.52.11
